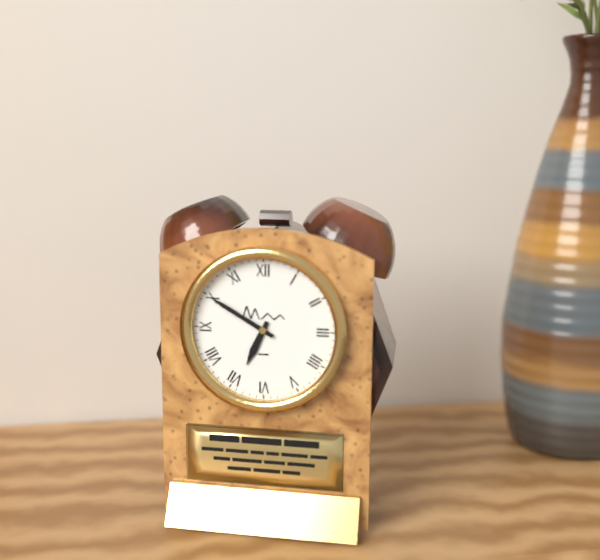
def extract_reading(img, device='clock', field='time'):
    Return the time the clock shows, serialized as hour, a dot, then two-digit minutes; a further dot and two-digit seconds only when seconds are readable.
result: 6.50
